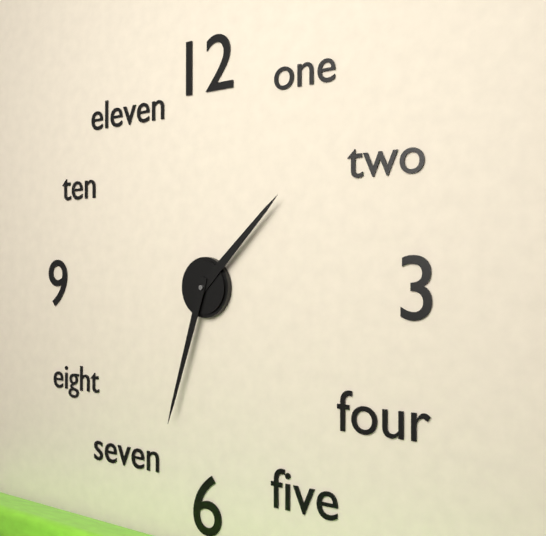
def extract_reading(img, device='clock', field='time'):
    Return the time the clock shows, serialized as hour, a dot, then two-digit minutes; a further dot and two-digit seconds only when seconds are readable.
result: 1.33
